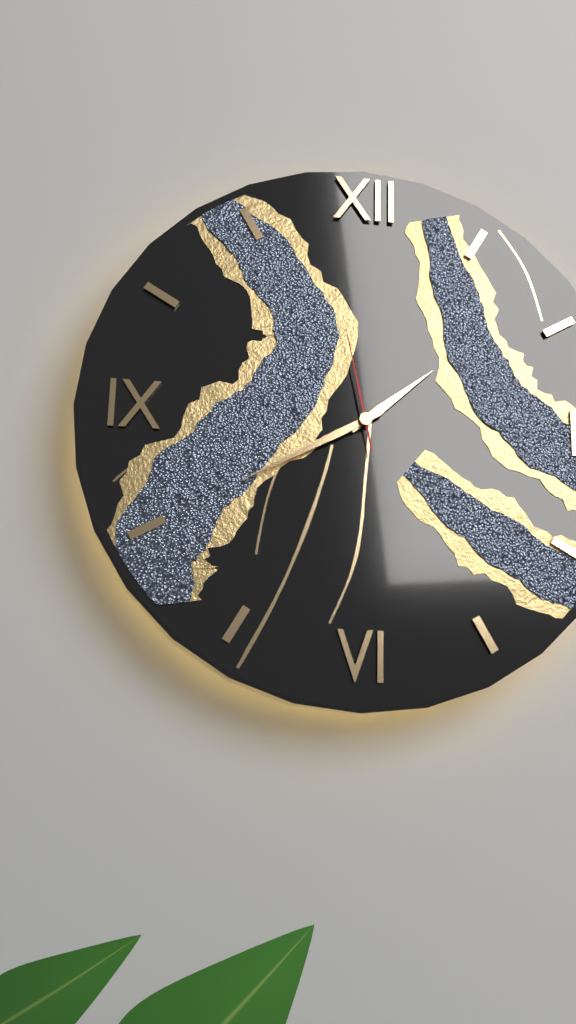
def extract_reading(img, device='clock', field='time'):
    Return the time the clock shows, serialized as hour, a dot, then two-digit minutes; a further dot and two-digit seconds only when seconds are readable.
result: 1.40.58
